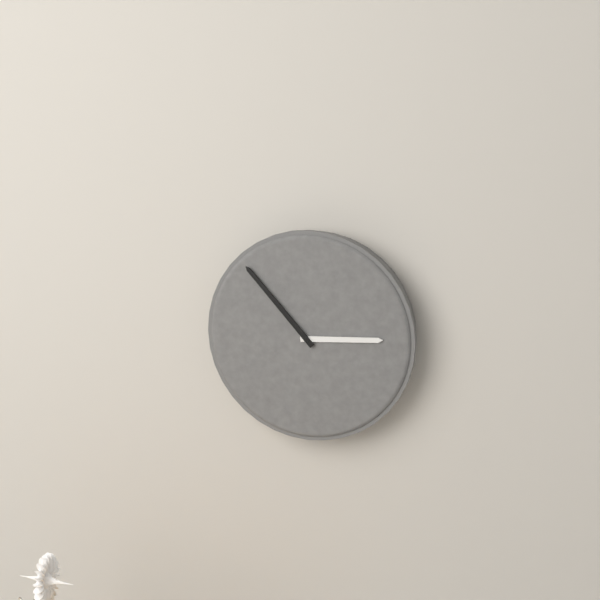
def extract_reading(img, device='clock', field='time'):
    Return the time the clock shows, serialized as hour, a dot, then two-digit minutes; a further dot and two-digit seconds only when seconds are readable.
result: 2.53
